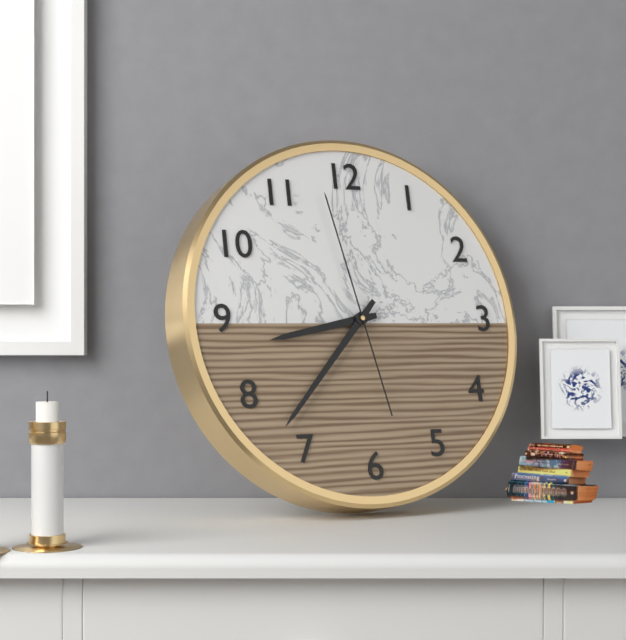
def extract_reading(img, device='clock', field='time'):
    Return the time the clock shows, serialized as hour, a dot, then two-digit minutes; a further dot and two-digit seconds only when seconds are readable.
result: 8.37.58
